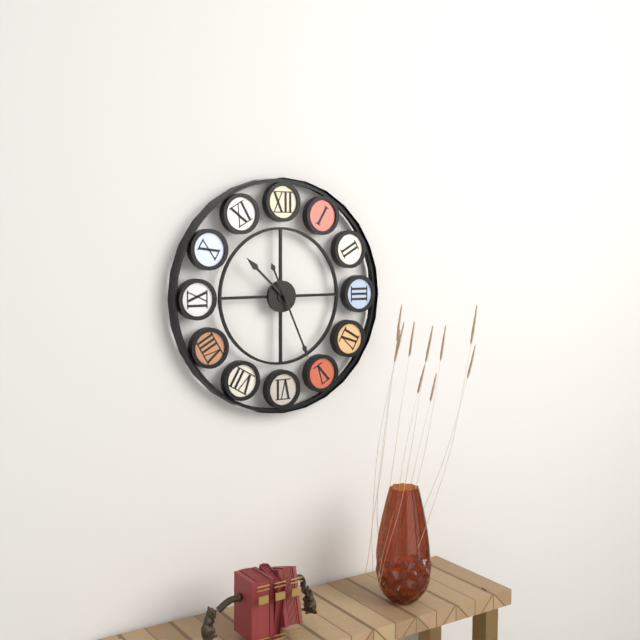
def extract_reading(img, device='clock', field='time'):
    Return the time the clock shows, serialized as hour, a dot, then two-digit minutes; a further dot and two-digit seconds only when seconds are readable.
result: 10.26
